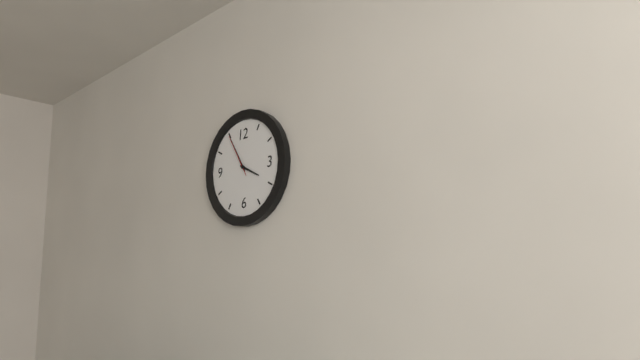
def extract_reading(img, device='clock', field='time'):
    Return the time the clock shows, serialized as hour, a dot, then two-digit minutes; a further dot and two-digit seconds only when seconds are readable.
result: 3.55
